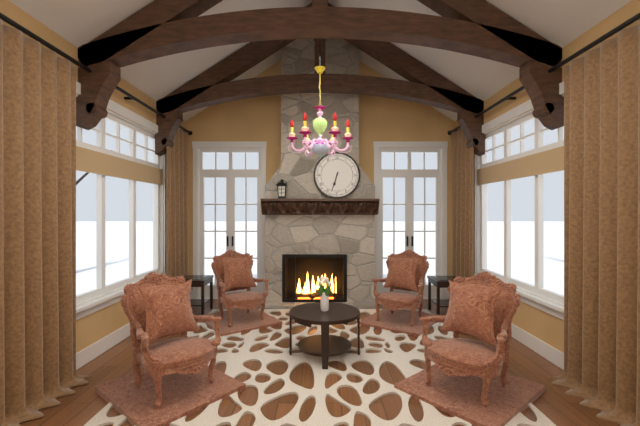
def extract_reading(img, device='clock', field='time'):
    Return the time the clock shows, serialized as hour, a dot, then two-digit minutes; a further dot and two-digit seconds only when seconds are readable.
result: 6.33
